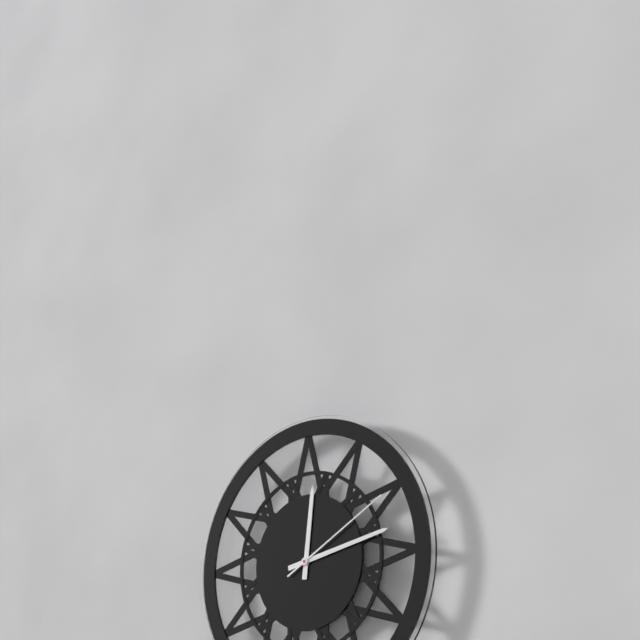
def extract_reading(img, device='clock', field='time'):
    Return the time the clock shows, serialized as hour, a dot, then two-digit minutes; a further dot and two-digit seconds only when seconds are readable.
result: 12.13.10
